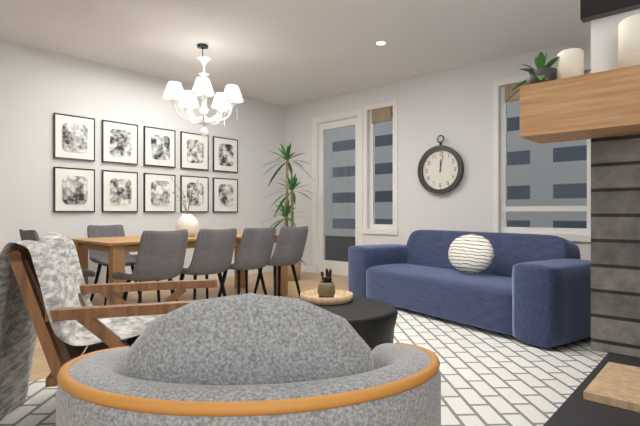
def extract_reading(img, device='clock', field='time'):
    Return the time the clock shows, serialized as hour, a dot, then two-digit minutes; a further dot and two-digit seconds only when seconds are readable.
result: 12.02
